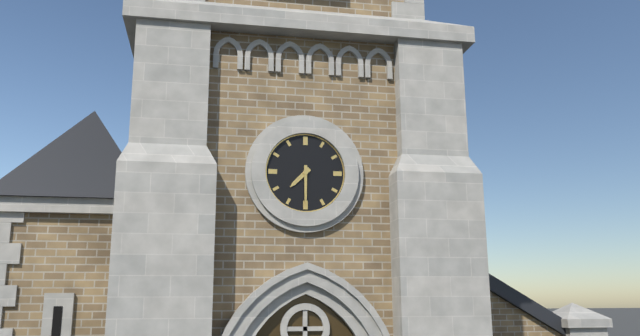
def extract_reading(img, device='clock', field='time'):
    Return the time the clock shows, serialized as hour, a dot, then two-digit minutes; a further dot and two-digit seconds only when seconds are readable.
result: 7.30
